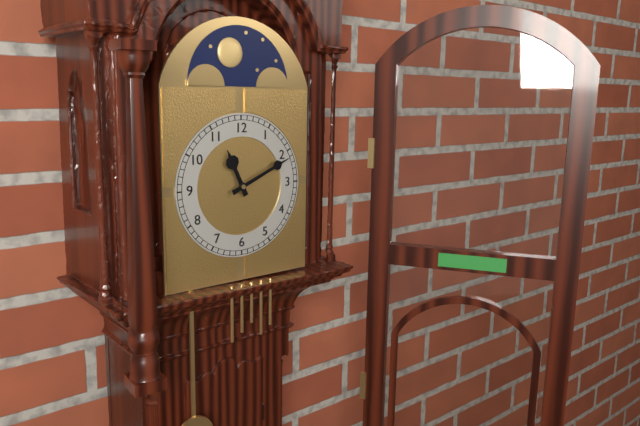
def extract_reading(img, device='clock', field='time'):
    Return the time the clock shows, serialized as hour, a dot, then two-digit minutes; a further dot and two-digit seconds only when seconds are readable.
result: 11.11
